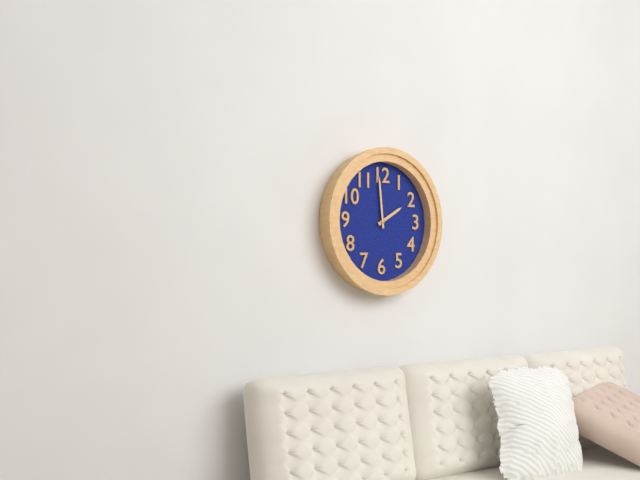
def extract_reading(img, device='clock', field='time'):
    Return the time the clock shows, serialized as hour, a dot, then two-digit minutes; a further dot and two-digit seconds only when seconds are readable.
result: 1.59
